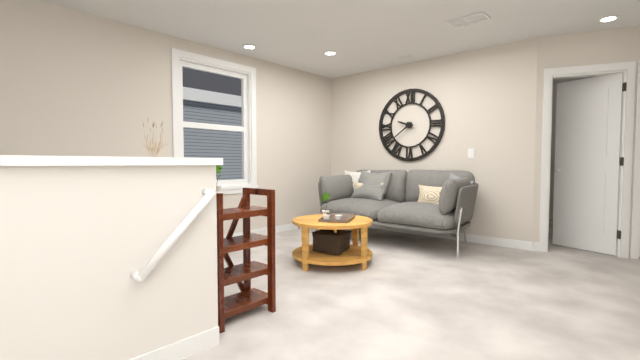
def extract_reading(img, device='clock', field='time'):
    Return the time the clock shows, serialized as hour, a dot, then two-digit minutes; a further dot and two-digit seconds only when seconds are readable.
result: 9.39
